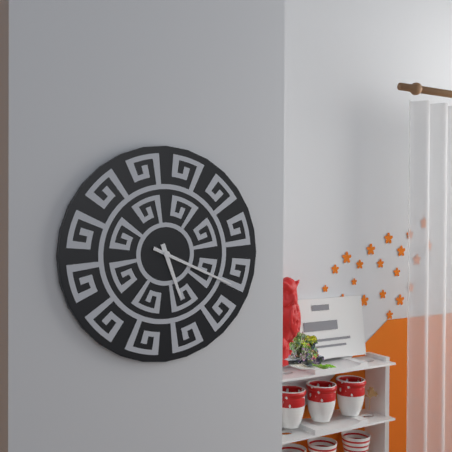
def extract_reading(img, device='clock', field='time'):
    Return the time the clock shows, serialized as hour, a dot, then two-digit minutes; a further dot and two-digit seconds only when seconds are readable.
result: 5.19
